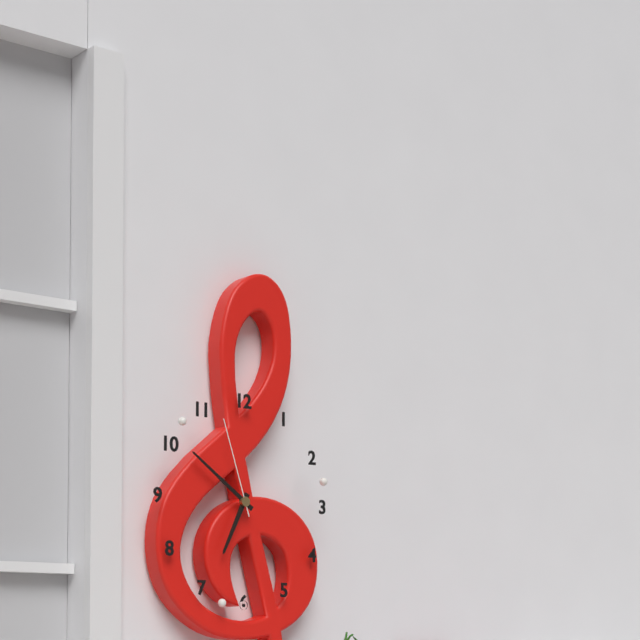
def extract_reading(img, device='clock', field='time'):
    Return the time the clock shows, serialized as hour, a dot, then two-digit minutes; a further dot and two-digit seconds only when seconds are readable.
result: 6.51.57
